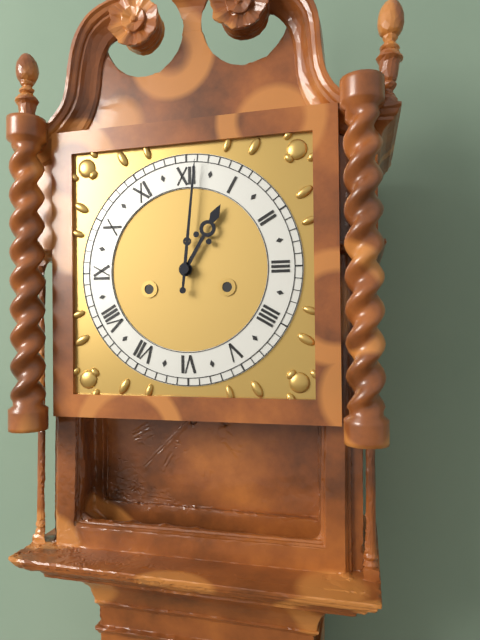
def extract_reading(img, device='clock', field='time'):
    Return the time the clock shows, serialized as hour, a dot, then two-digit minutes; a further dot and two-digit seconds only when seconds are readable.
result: 1.01
